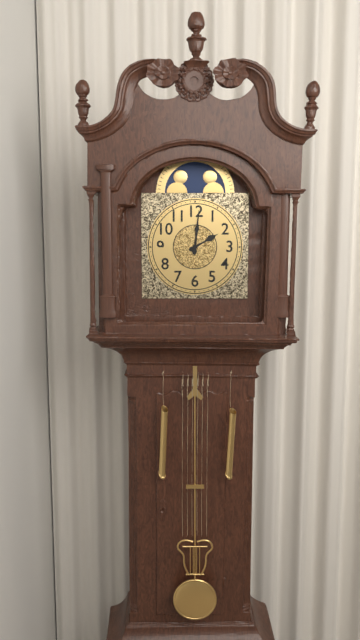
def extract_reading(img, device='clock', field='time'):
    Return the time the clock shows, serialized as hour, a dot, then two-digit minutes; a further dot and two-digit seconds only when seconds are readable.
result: 2.01
